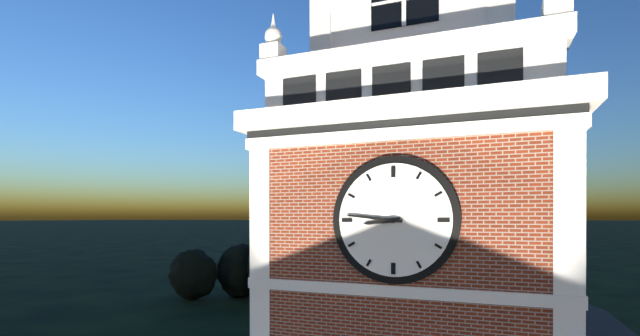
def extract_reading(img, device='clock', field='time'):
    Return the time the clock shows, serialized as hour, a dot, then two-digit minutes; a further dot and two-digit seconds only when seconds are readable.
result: 8.46
